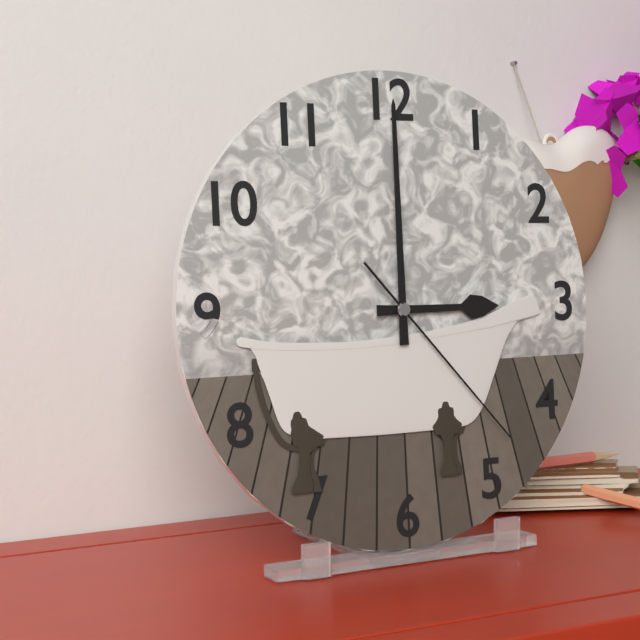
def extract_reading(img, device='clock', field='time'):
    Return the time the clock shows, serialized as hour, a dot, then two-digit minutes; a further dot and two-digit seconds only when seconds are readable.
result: 3.00.23
